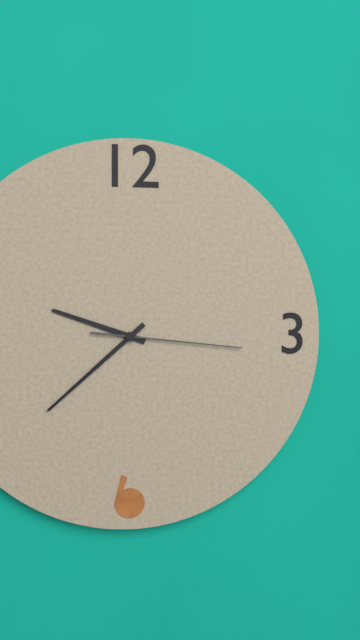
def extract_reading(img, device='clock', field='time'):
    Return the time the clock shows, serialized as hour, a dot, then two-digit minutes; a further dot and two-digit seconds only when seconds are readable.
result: 9.38.16
